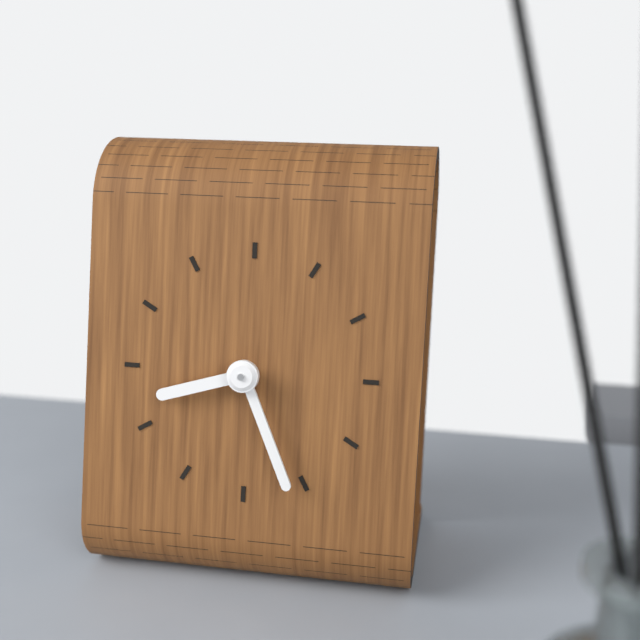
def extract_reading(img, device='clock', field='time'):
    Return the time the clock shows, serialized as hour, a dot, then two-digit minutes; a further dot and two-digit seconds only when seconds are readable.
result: 8.26
